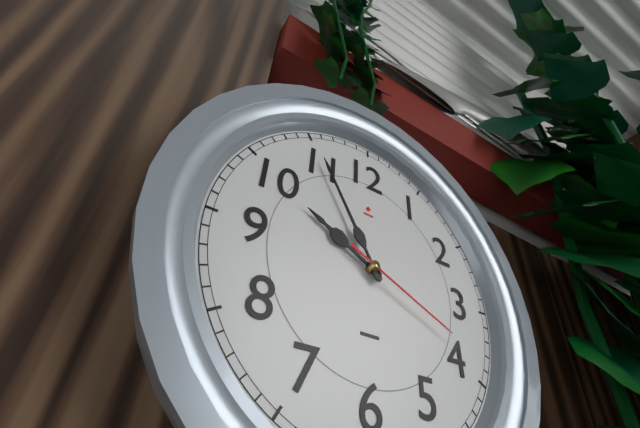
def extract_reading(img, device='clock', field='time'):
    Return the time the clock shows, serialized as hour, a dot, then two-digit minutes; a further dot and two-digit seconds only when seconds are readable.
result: 9.55.19
